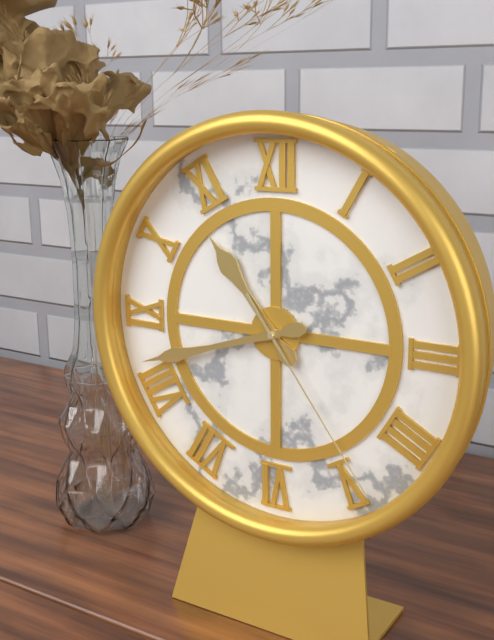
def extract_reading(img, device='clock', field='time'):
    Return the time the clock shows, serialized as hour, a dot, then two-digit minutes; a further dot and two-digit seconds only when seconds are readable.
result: 10.42.24
